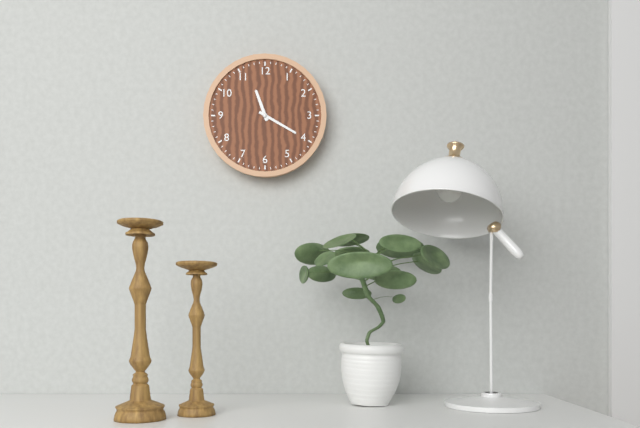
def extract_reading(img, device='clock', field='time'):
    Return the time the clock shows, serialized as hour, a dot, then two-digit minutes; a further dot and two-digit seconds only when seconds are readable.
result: 11.20
